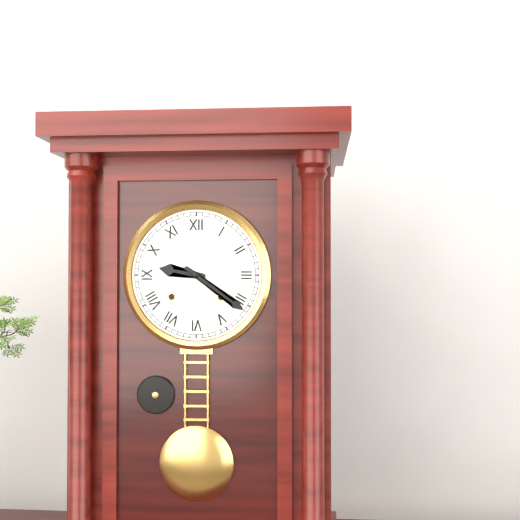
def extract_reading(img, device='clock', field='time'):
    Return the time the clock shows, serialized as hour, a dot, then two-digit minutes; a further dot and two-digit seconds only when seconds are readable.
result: 9.21
